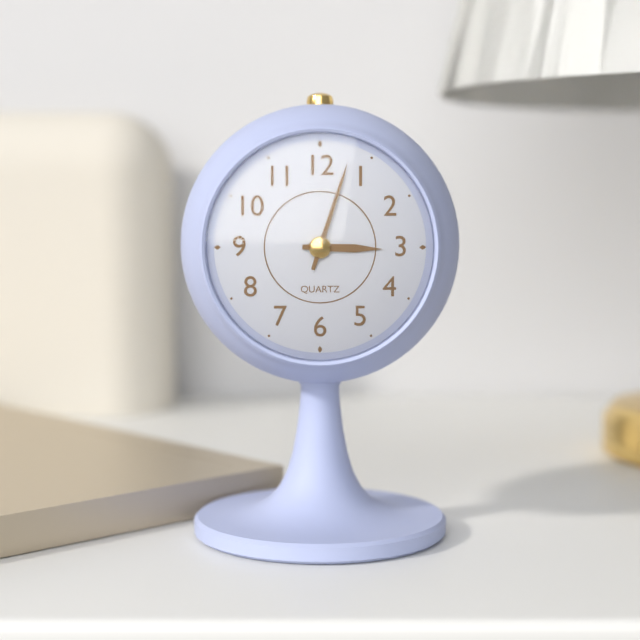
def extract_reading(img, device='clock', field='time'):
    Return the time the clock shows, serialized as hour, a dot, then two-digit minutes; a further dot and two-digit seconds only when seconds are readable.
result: 3.03
